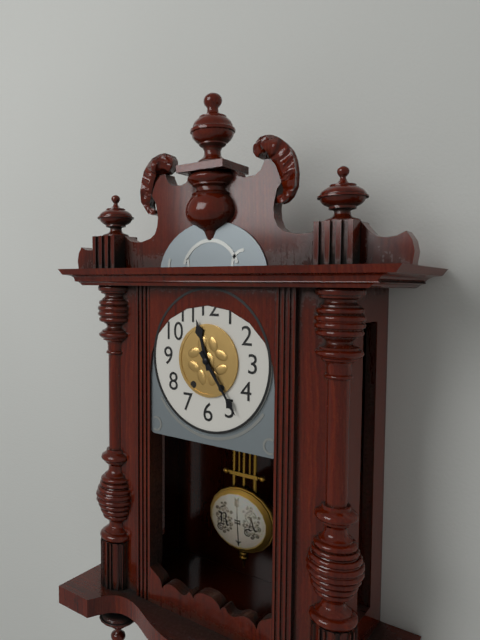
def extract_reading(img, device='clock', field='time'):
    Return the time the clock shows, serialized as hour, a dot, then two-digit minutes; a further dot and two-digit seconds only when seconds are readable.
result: 11.24
